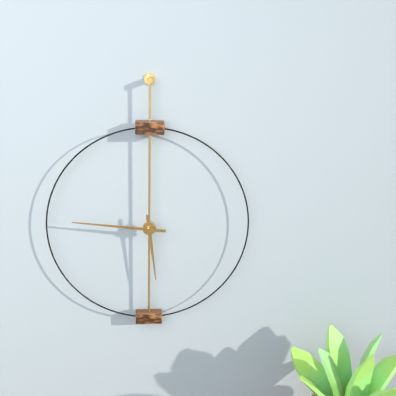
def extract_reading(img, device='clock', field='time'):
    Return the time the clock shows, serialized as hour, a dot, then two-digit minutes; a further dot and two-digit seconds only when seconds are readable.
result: 5.46
